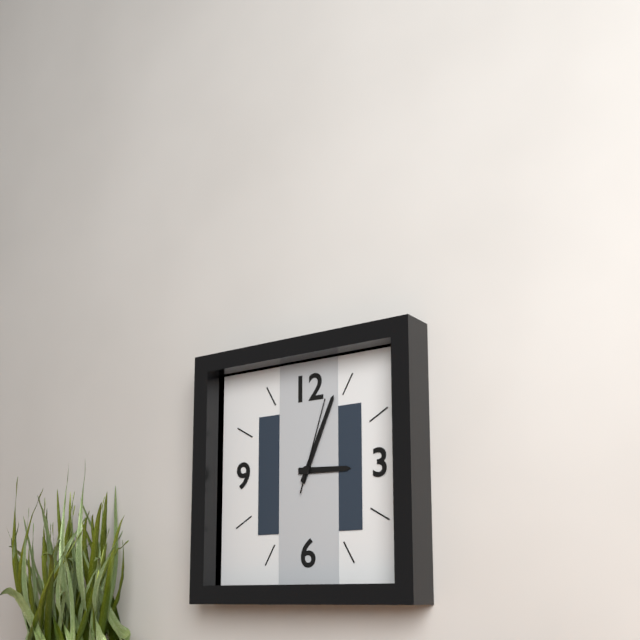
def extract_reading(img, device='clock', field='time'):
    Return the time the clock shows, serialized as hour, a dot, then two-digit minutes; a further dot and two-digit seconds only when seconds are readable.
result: 3.04.03
